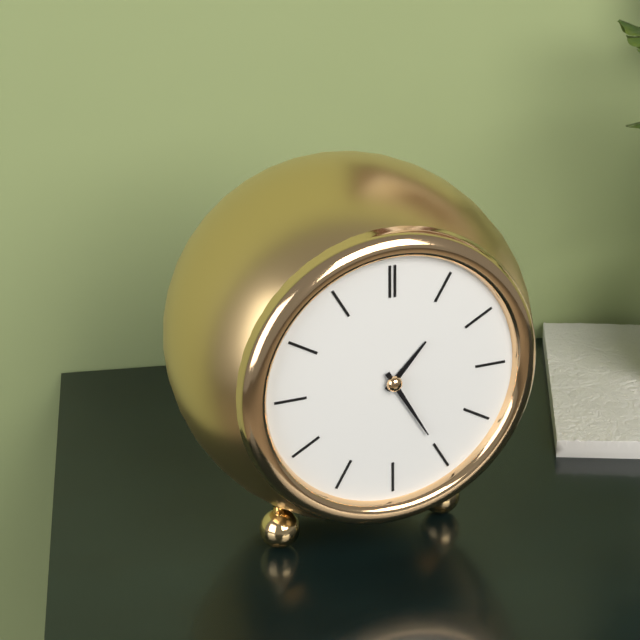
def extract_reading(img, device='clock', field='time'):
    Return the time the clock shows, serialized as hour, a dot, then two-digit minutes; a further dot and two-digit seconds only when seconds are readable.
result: 1.25
